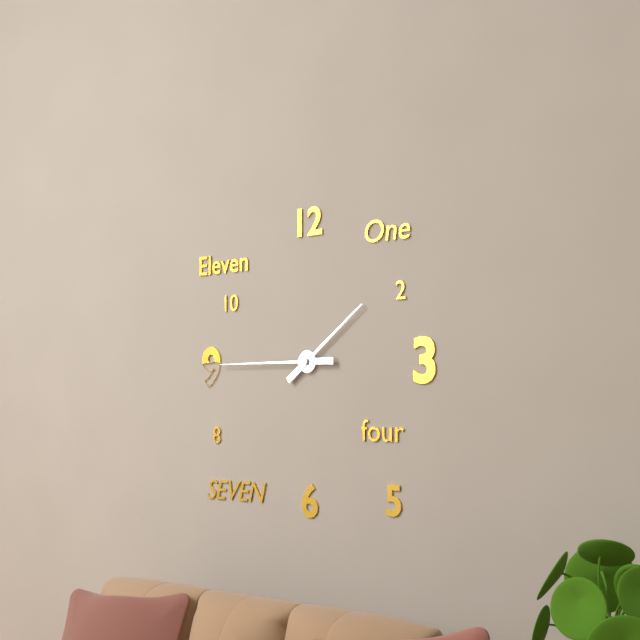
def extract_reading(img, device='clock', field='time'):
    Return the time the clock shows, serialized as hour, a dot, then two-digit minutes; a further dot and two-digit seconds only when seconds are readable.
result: 1.45
